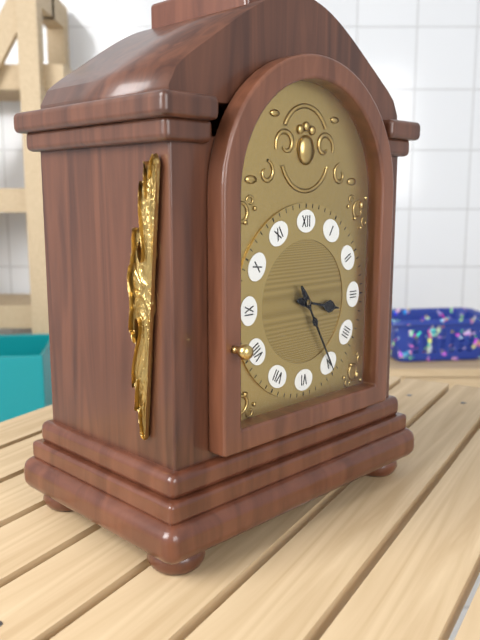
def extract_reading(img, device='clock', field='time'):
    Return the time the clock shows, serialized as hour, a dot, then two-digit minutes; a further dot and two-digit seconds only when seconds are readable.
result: 3.25
